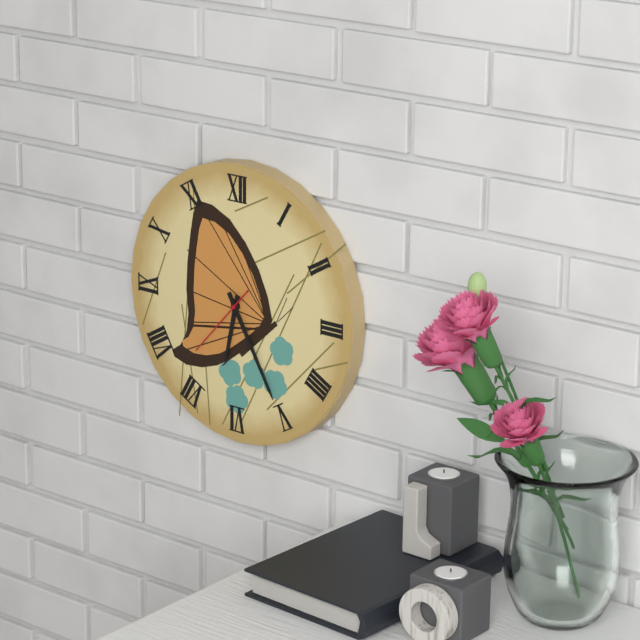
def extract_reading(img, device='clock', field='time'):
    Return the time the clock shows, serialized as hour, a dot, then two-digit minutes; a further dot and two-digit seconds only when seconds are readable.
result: 6.25.37
